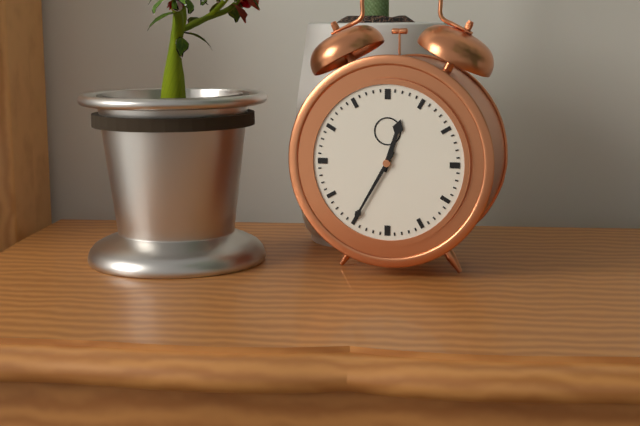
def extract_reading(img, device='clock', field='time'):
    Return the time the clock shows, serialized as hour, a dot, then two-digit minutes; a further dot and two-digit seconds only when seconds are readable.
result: 12.35
